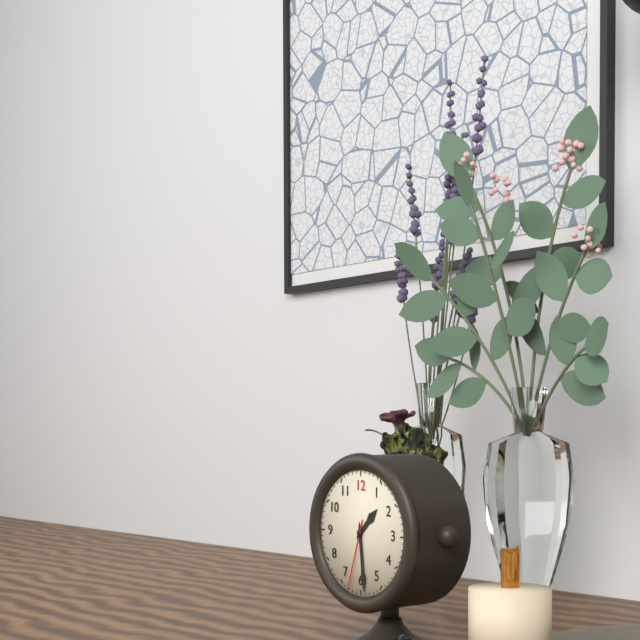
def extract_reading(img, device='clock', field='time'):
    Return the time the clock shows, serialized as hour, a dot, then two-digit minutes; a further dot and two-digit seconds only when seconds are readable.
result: 1.29.33
